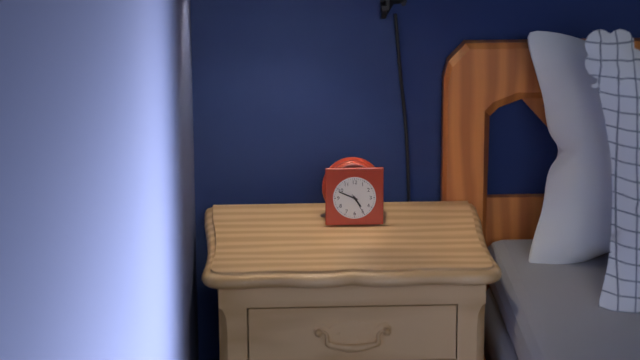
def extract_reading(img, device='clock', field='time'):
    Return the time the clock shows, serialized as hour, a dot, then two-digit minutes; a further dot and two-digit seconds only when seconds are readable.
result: 4.49
